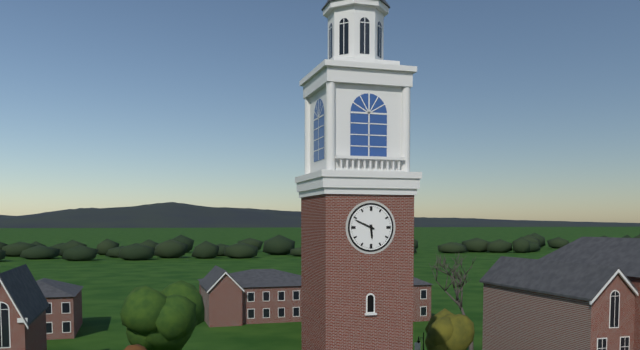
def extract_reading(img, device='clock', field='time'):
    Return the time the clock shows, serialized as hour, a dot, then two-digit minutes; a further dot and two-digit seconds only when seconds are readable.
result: 5.49
